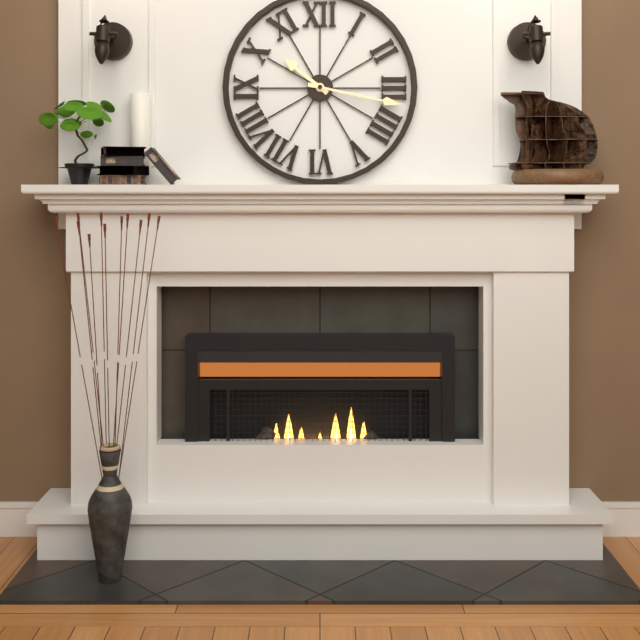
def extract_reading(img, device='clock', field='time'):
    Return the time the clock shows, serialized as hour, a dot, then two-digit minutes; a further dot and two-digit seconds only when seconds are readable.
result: 10.17
